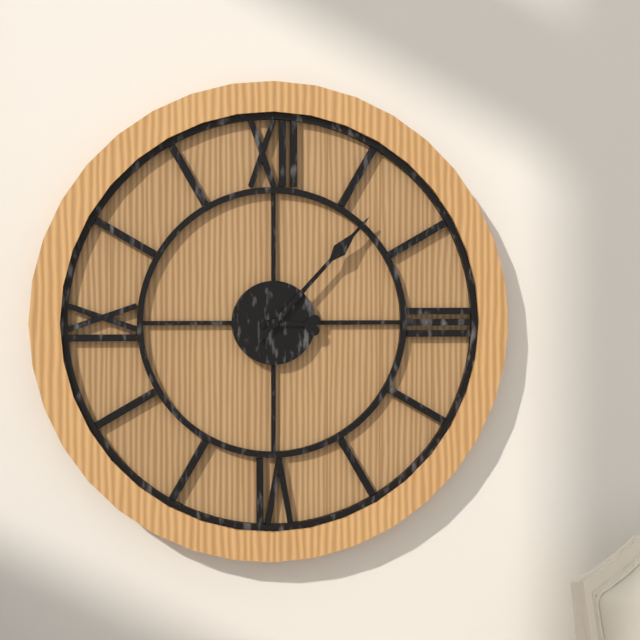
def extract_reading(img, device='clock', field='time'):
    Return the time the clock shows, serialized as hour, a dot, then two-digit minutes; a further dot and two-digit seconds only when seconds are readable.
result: 3.07
